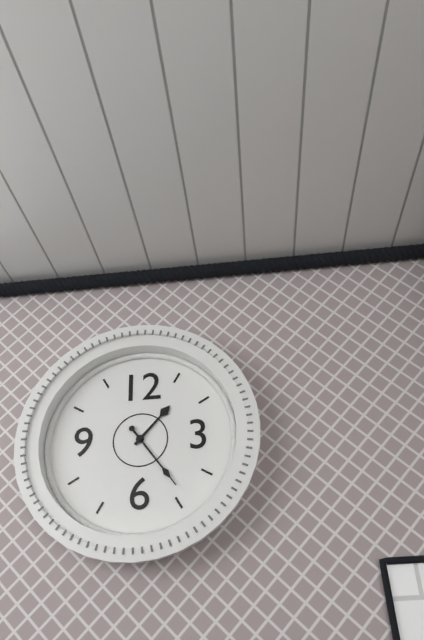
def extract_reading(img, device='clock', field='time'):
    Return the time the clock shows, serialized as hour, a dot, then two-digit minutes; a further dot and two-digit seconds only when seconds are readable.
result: 1.24
